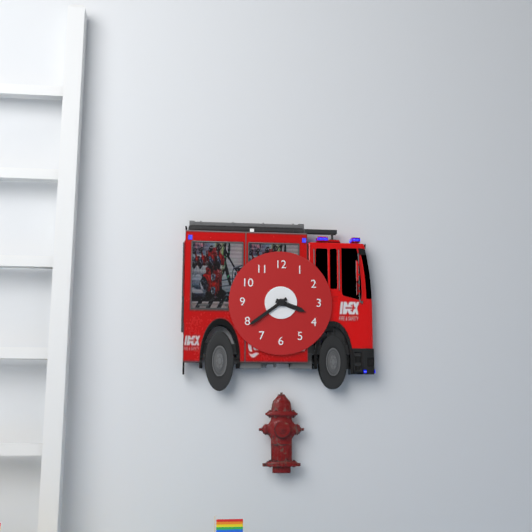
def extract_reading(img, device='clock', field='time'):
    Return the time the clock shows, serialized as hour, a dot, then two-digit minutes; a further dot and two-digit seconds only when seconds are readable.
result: 3.39
